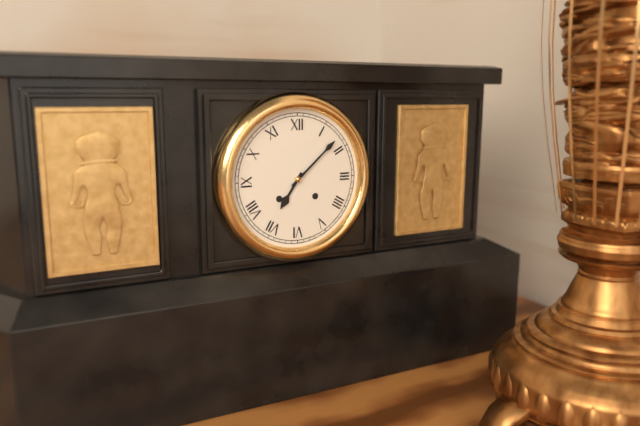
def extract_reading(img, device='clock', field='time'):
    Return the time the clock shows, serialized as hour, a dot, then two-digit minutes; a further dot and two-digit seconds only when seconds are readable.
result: 7.08
